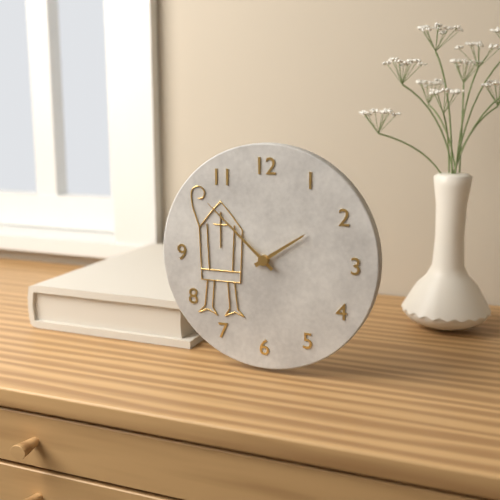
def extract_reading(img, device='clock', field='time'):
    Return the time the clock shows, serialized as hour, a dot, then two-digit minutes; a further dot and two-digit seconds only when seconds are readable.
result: 1.52
